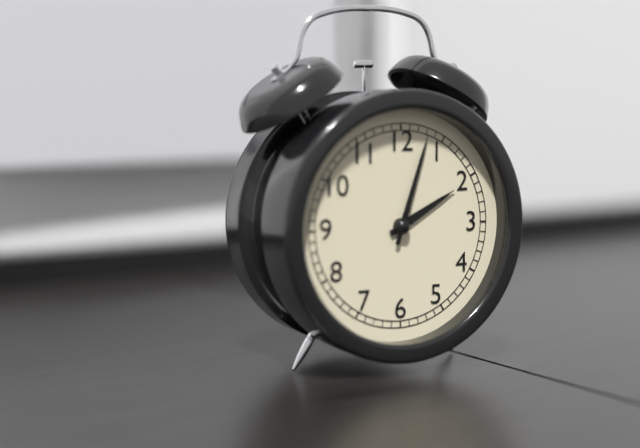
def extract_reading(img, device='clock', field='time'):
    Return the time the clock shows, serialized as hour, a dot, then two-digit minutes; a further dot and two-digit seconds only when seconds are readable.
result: 2.03
